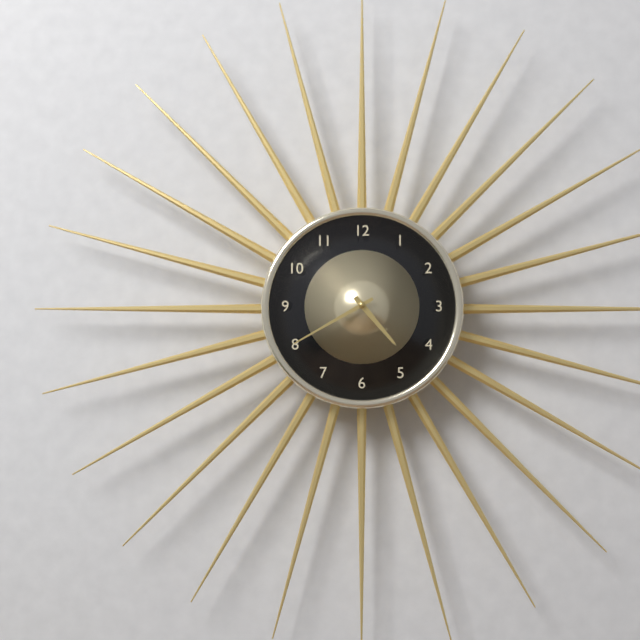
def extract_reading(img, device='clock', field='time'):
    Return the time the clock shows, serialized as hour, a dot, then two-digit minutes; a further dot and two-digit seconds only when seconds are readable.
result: 4.40
